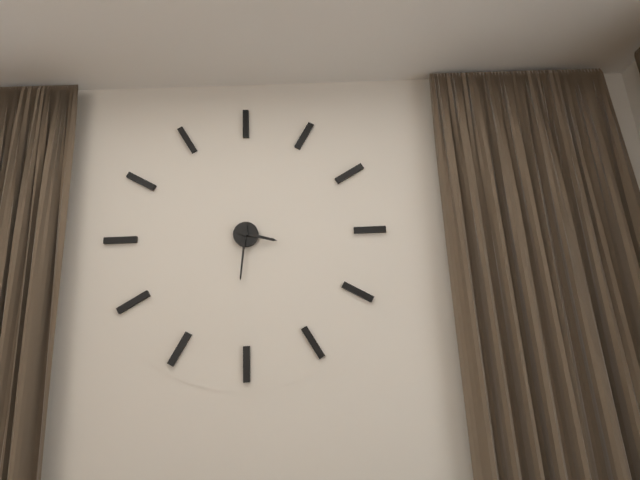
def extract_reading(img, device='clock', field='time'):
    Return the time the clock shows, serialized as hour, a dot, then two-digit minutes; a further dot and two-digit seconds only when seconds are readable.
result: 3.31
